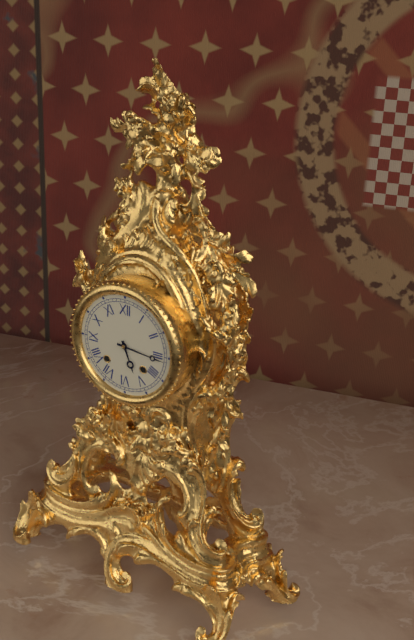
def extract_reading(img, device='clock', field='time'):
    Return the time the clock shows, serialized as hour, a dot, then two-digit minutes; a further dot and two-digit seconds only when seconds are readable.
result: 5.16
